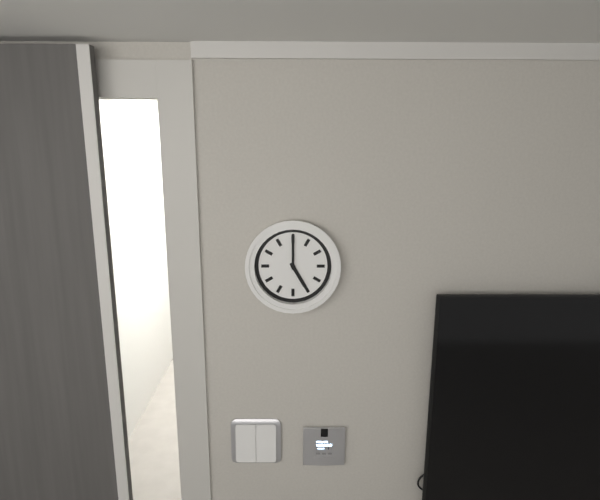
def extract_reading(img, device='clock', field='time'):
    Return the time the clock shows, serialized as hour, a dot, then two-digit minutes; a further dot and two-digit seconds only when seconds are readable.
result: 5.00
